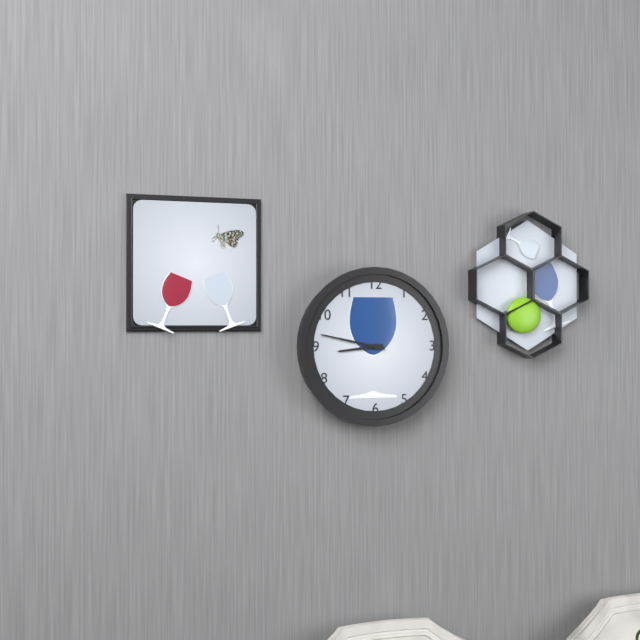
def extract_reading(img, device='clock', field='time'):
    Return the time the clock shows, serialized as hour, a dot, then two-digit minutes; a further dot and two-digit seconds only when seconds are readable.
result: 8.47
